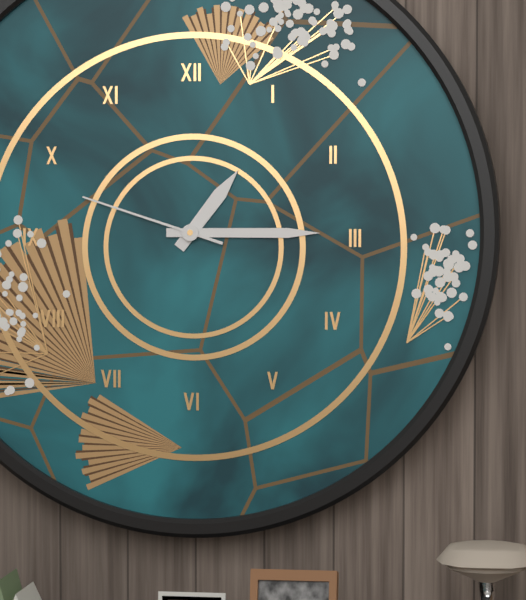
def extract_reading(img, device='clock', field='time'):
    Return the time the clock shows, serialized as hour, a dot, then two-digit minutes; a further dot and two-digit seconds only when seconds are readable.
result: 1.15.48
